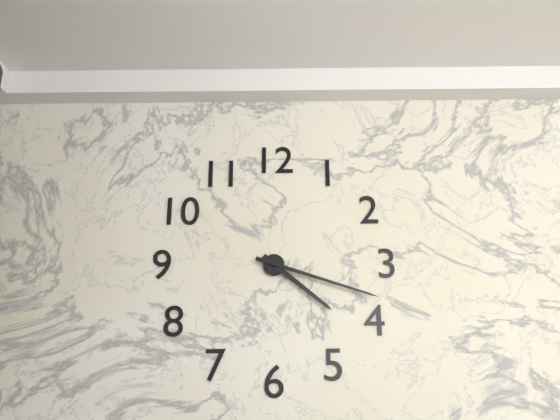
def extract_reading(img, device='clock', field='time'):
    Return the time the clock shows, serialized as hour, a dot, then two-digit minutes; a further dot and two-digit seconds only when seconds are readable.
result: 4.18
